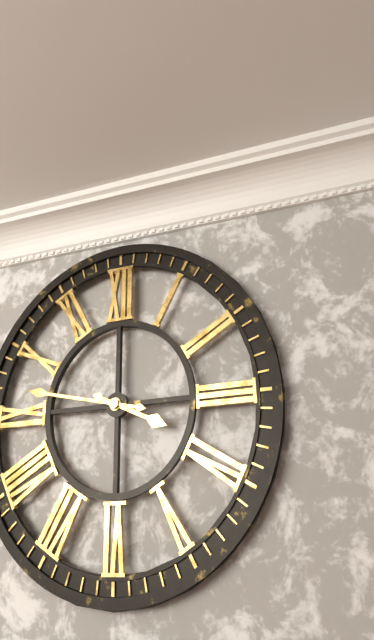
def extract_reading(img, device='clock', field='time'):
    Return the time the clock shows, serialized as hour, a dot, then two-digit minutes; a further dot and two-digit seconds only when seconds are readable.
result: 3.47
